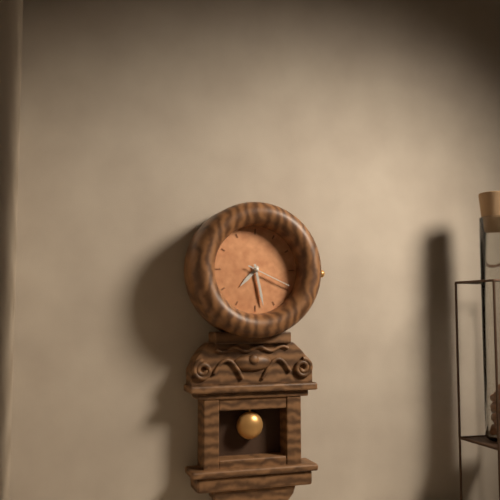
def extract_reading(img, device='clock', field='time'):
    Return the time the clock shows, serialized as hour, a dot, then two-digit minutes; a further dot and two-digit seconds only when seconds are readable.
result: 7.28.19
